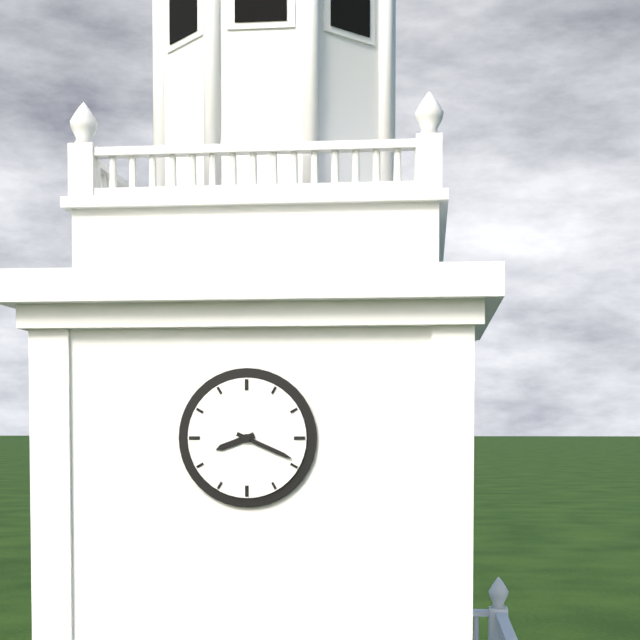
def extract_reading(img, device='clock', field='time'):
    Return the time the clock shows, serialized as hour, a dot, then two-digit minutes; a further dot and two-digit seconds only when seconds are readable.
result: 8.19
